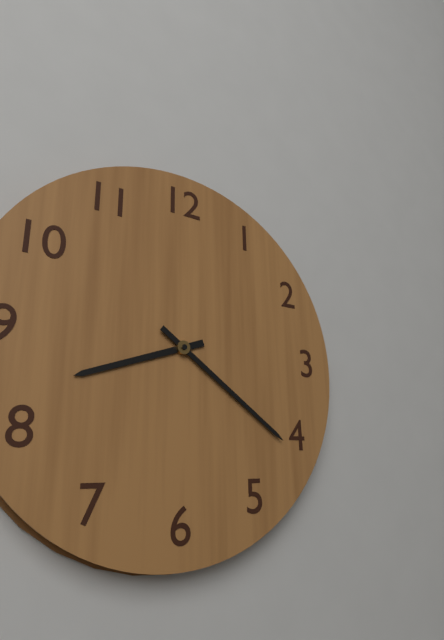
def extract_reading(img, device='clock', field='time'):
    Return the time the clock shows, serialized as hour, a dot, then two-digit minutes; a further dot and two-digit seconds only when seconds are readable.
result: 8.21
